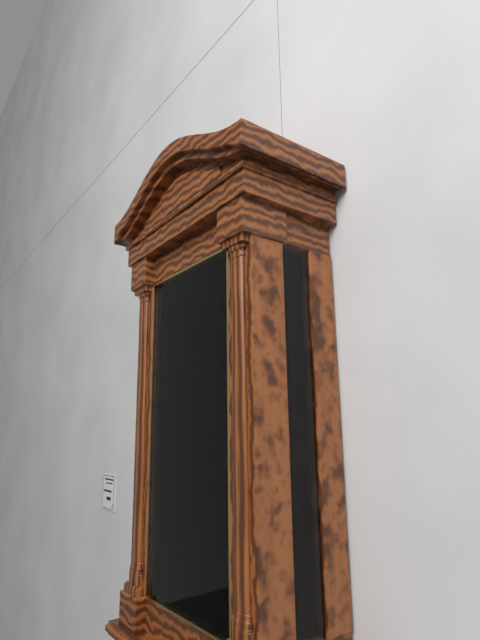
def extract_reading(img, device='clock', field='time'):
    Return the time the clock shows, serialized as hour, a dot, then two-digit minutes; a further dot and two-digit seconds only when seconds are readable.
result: 7.00
